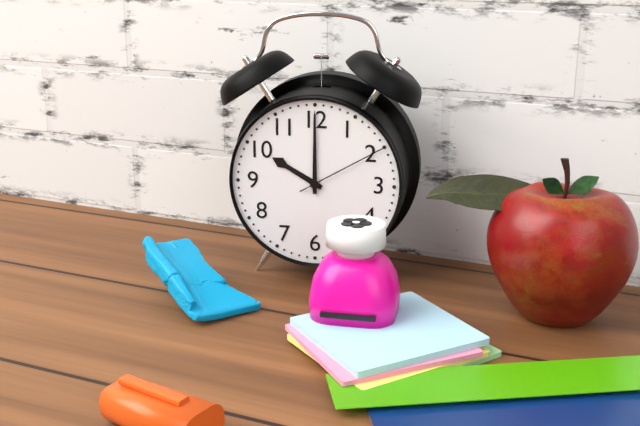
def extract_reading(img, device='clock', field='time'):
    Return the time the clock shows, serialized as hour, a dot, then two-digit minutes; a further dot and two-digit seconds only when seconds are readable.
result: 10.00.10
